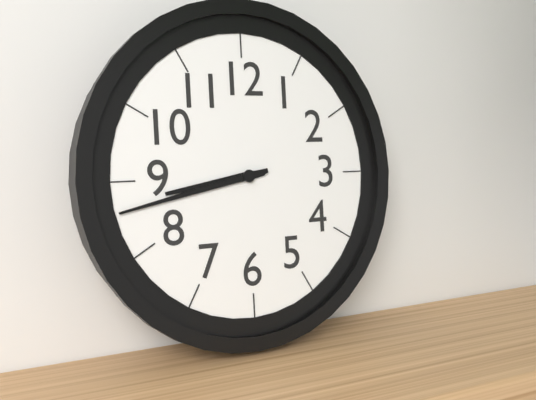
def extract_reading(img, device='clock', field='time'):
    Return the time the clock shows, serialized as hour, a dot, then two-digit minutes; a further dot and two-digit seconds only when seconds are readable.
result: 8.43
